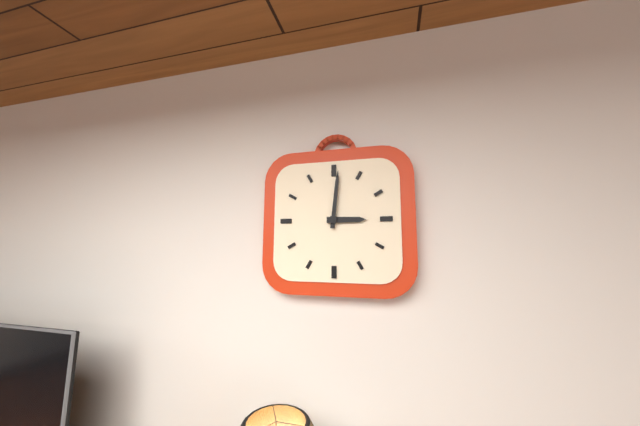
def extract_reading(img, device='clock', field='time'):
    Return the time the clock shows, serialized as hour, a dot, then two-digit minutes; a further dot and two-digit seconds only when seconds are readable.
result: 3.01
